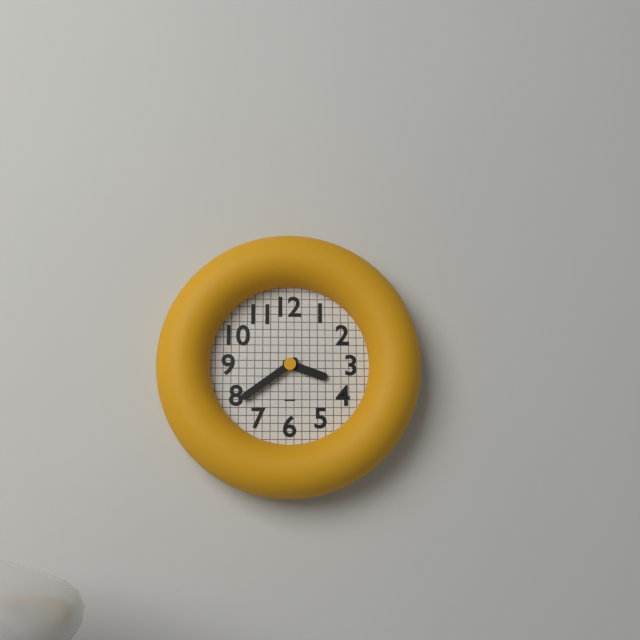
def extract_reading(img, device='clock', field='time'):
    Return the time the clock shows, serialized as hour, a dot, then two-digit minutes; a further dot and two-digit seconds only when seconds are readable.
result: 3.39
